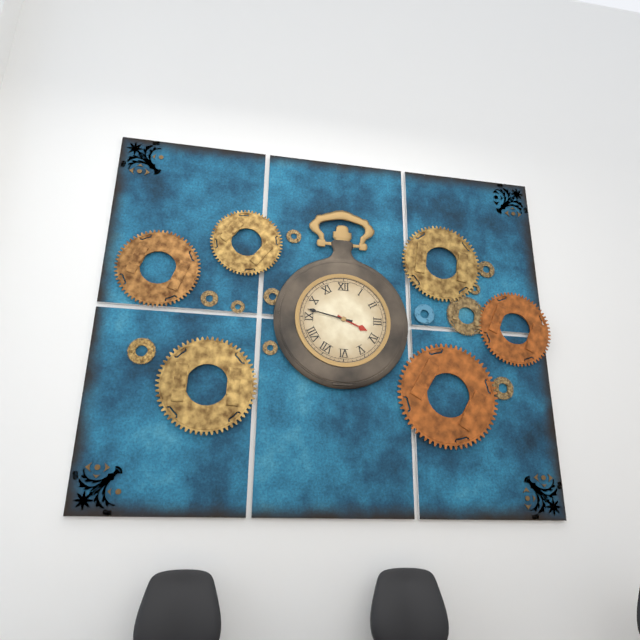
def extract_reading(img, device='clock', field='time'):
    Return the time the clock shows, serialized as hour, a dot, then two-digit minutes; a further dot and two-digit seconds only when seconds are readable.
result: 3.47
